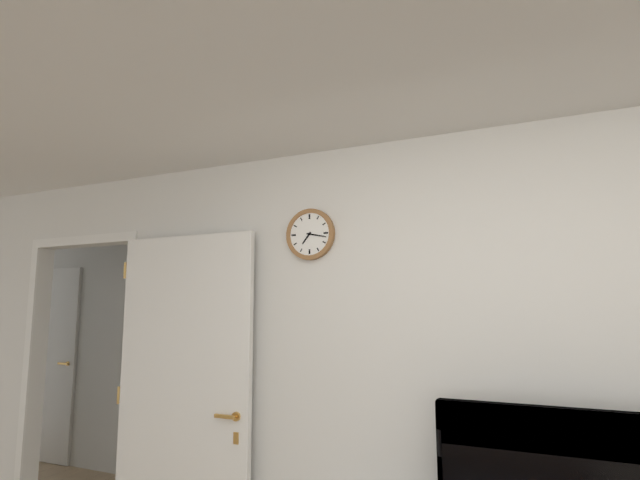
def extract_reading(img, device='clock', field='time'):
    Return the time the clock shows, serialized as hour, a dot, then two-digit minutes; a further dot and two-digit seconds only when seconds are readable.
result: 7.17
